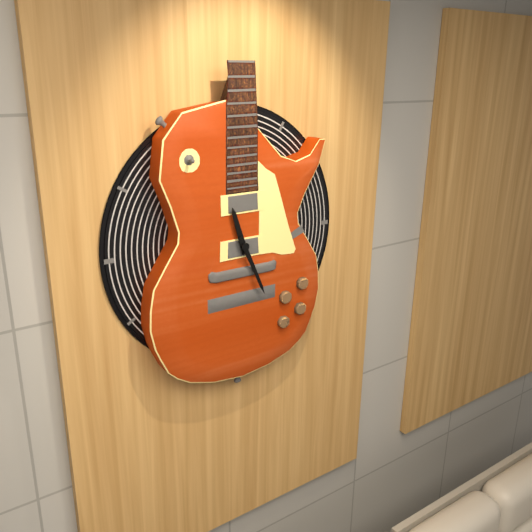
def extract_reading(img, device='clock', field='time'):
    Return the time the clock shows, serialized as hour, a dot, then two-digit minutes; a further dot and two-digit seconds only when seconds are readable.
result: 11.26
